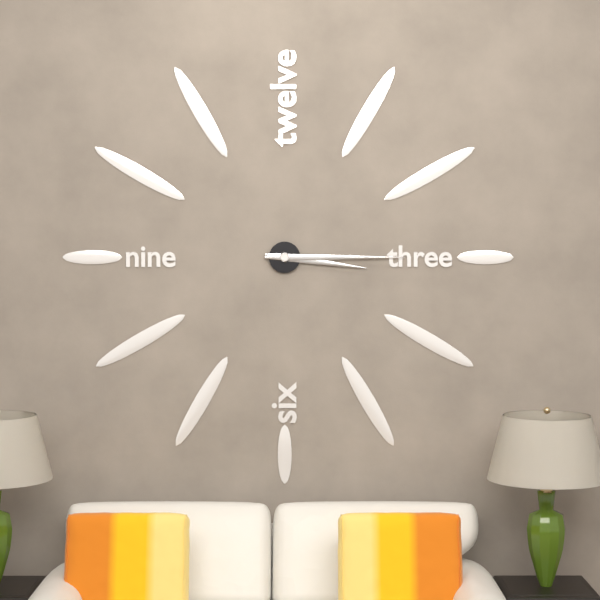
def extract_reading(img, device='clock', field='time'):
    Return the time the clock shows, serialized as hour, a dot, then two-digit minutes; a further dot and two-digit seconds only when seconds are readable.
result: 3.15
